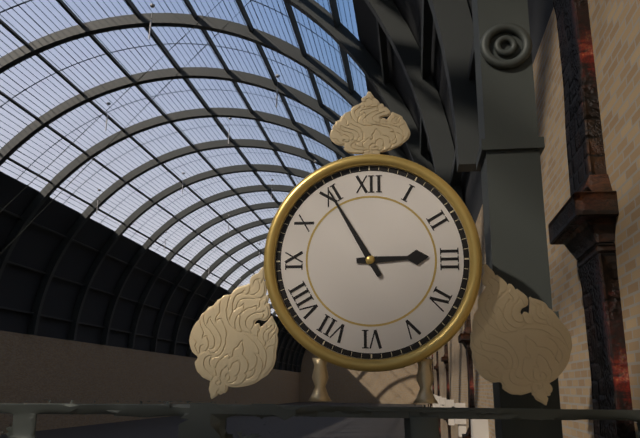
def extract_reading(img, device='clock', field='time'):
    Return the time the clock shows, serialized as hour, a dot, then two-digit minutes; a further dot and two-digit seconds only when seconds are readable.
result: 2.55
